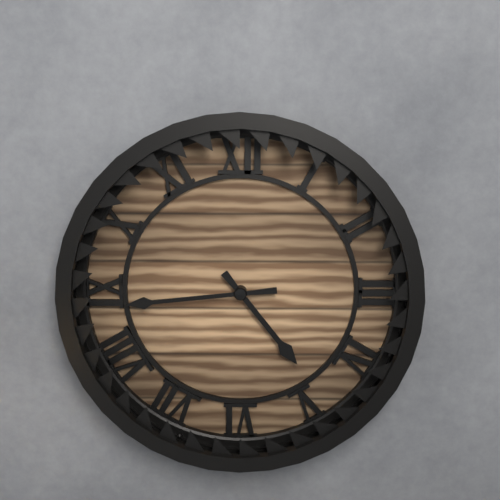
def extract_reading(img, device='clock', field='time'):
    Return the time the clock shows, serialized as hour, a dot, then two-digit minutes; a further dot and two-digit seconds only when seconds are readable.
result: 4.44
